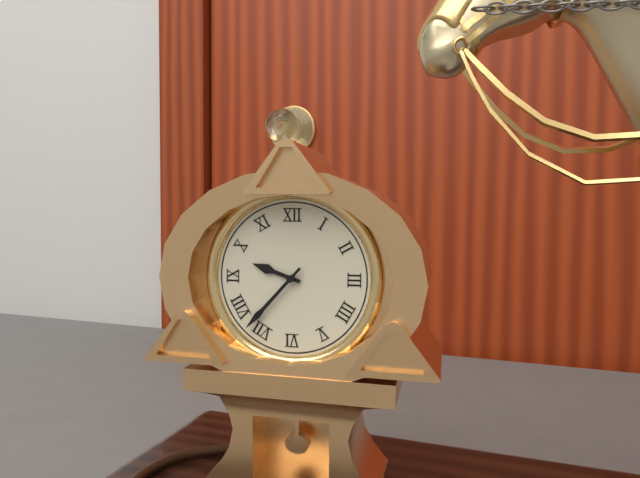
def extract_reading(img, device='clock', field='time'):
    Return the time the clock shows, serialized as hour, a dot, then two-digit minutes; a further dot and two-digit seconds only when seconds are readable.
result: 9.37
